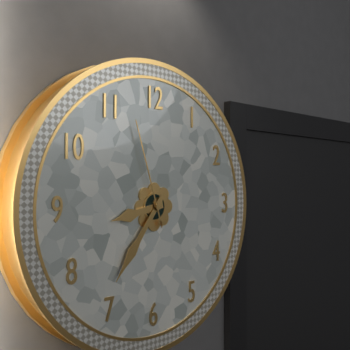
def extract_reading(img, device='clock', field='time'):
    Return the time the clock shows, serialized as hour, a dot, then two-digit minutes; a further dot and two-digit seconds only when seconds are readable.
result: 8.36.57
